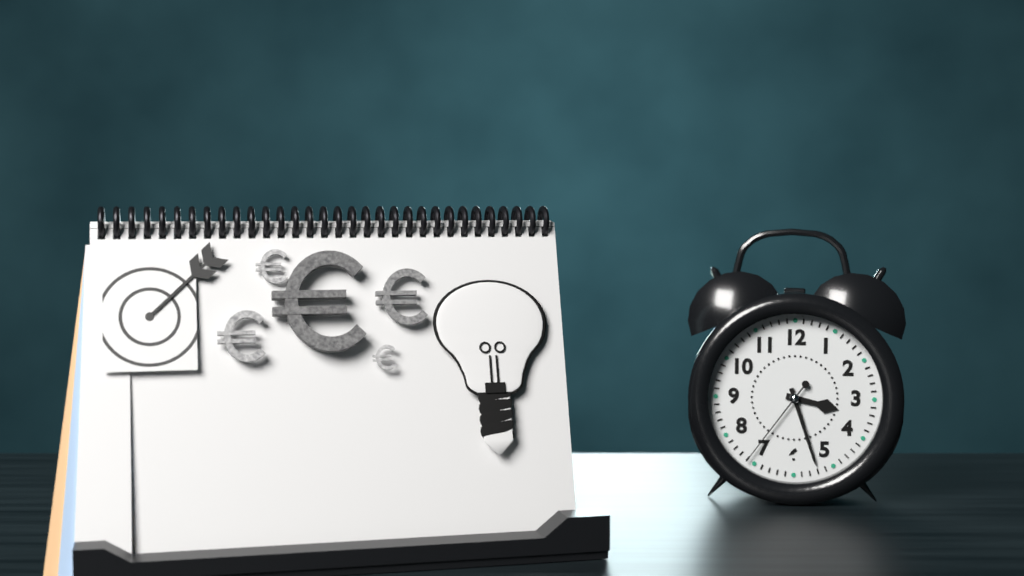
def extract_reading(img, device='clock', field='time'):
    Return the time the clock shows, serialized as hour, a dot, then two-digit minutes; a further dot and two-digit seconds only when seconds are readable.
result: 3.27.36
